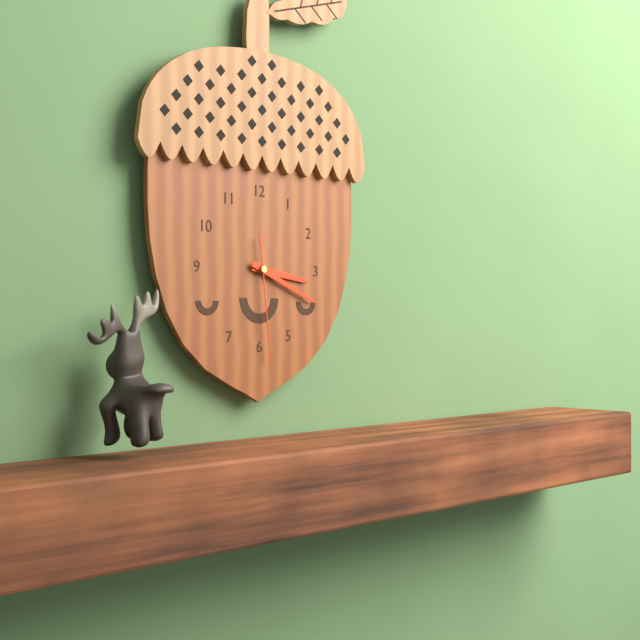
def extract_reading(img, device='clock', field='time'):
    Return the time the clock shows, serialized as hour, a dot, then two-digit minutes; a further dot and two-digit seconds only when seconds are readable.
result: 3.19.29
